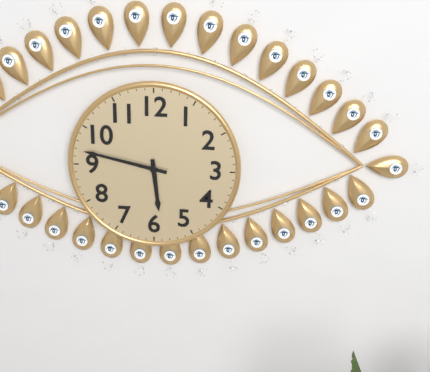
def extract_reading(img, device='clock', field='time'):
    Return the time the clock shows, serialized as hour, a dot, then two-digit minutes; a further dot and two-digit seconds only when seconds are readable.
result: 5.47
